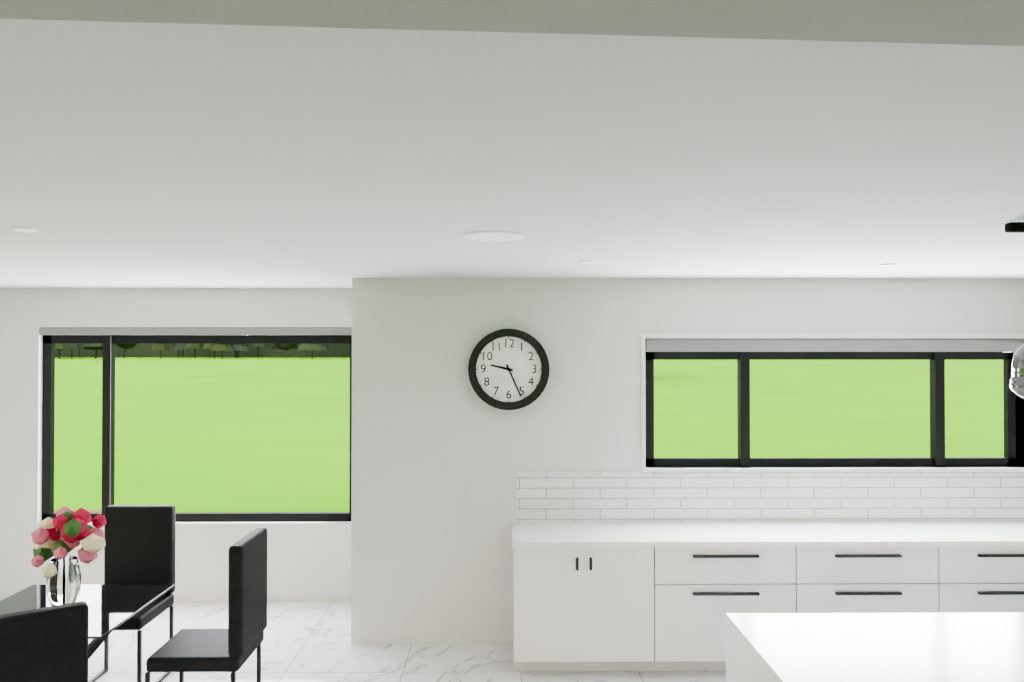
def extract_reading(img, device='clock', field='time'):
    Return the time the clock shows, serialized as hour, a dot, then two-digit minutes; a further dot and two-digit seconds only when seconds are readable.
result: 9.26
